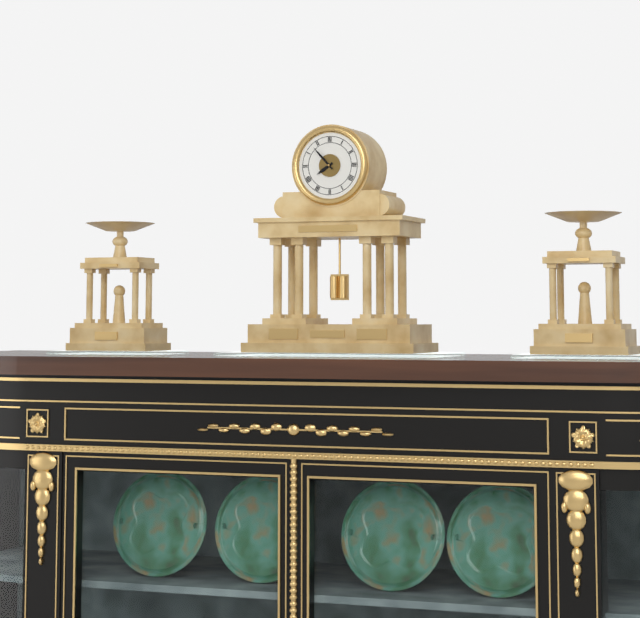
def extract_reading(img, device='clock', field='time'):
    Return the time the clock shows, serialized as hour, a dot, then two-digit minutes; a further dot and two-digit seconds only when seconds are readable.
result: 7.53
